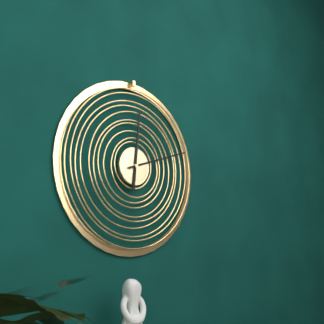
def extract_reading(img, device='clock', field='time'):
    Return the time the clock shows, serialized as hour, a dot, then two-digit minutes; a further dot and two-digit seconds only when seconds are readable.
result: 12.12
